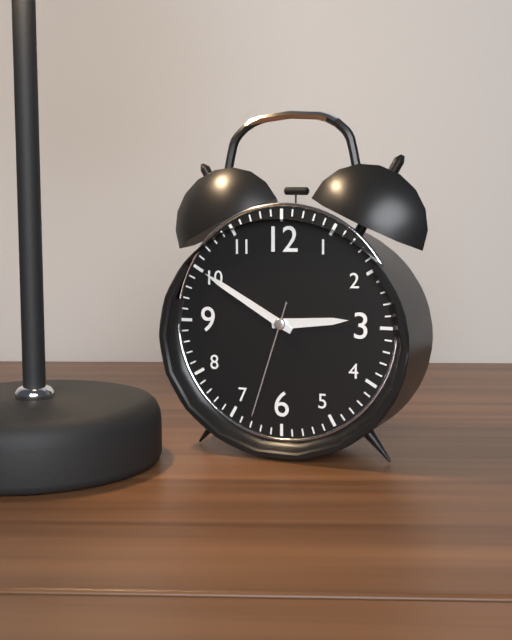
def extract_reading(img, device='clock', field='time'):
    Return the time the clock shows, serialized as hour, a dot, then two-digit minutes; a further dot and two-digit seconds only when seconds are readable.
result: 2.50.33
